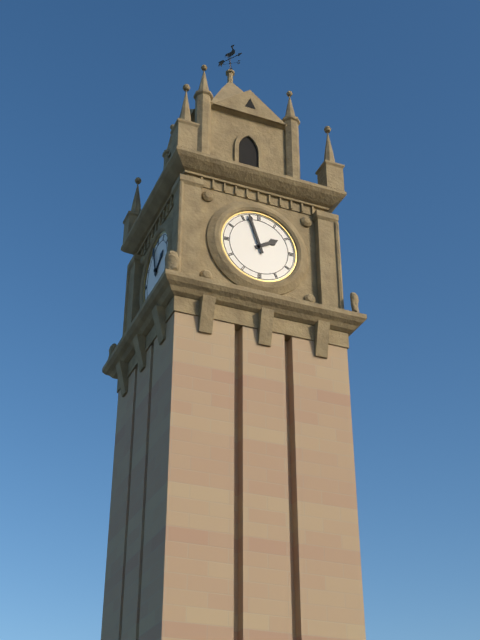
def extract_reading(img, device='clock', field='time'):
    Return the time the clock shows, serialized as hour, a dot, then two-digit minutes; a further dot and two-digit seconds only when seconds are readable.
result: 1.57
